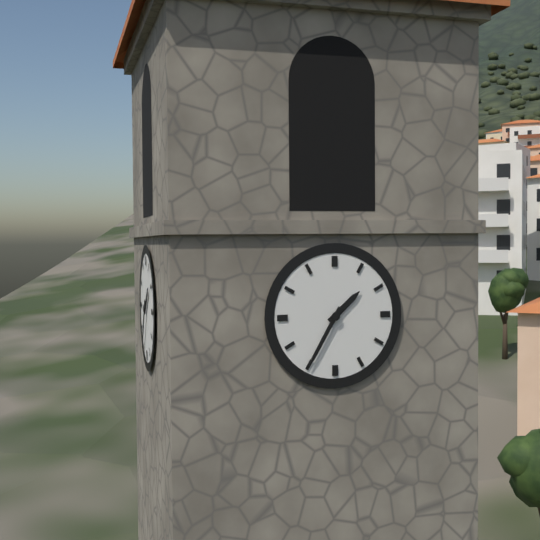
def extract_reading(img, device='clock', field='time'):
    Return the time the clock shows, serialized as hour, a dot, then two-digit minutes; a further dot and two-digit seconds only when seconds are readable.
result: 1.35
